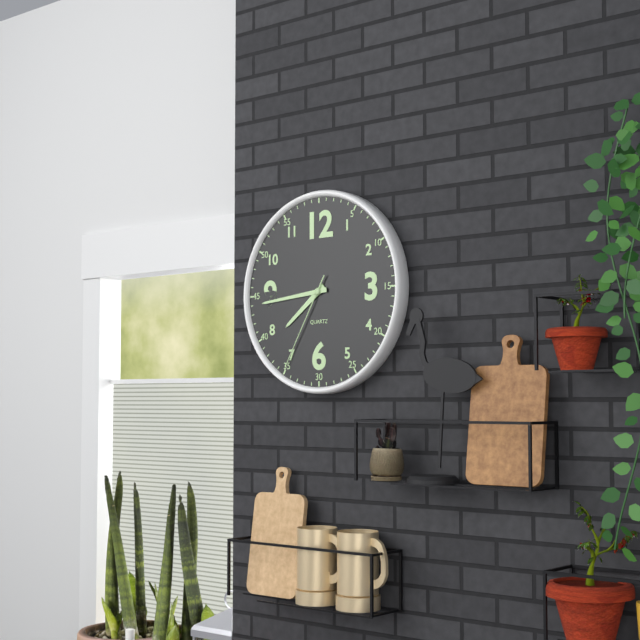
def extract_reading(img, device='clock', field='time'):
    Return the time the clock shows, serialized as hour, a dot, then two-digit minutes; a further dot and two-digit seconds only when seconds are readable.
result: 7.44.35
